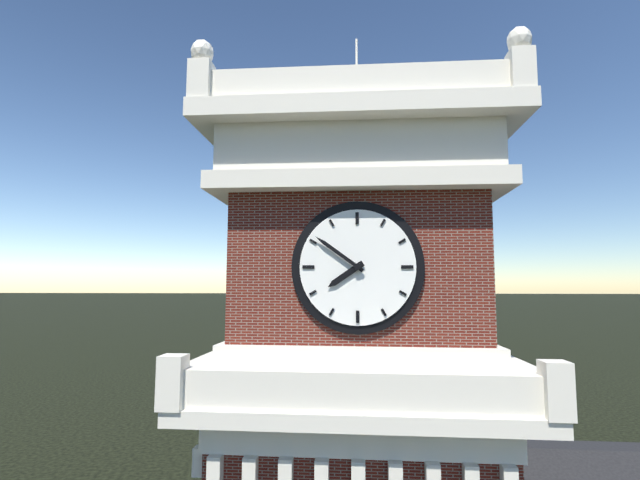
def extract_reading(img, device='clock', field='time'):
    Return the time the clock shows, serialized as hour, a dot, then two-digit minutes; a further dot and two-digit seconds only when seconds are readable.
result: 7.51
